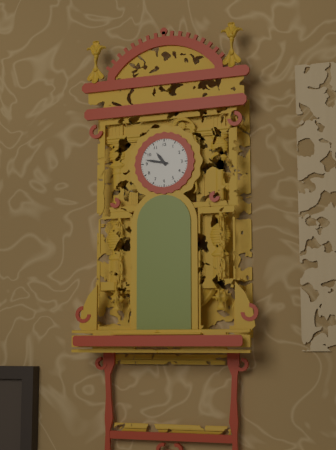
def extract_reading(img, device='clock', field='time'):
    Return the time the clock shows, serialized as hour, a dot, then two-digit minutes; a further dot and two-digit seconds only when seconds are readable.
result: 10.47
